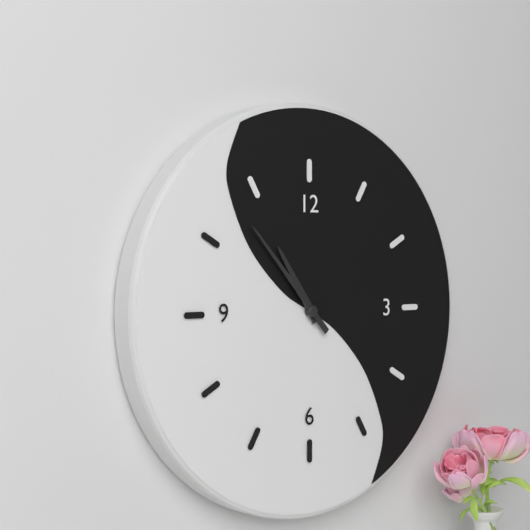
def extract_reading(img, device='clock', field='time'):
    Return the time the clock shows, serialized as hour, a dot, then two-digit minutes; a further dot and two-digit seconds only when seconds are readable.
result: 10.53
